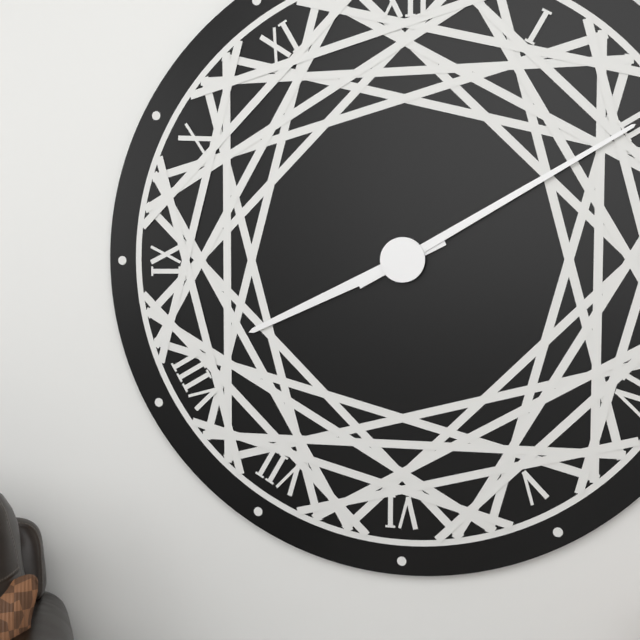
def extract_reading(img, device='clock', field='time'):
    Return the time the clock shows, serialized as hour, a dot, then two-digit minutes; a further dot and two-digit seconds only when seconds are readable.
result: 8.10
